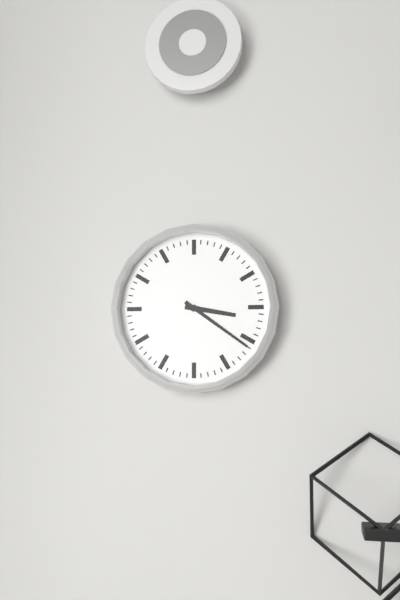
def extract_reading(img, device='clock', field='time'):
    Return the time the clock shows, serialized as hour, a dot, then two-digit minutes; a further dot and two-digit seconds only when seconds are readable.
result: 3.21
